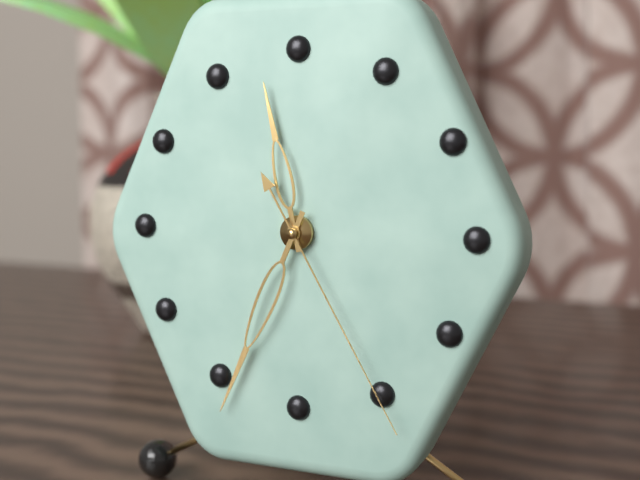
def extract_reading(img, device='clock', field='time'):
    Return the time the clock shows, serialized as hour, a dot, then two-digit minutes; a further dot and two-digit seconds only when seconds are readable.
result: 11.34.25
